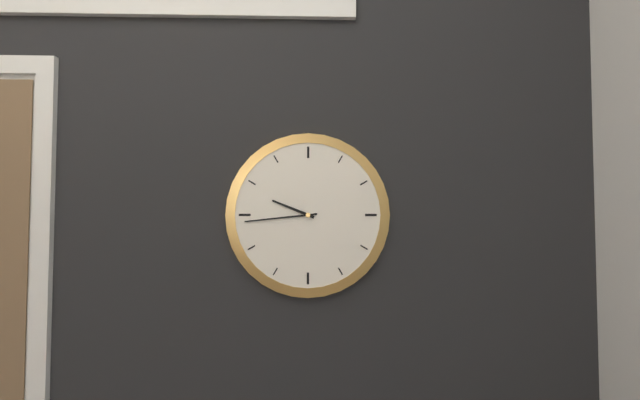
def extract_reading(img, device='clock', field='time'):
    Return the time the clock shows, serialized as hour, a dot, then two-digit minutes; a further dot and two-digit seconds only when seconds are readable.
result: 9.44
